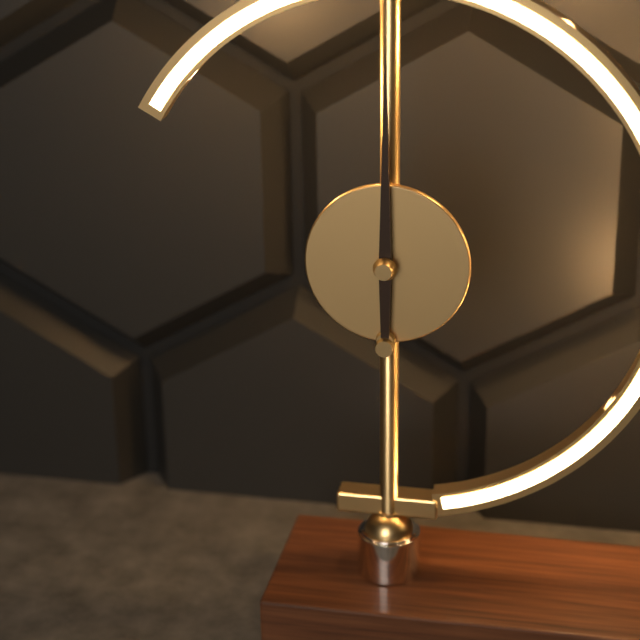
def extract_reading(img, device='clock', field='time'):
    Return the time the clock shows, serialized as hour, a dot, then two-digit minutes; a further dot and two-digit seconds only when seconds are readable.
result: 12.00
